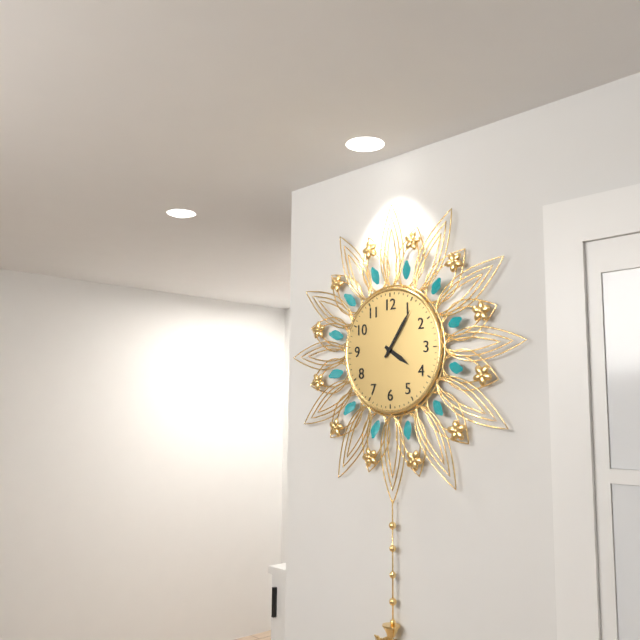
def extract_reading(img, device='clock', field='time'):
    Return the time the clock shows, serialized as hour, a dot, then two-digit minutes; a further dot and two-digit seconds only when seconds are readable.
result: 4.06
